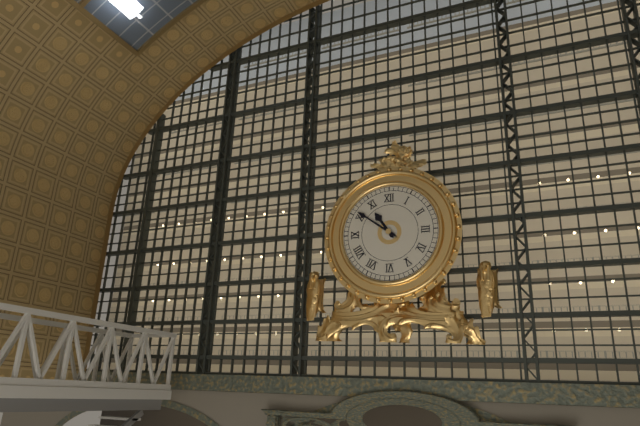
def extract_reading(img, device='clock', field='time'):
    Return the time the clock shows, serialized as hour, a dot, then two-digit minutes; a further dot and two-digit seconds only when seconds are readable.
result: 10.51
